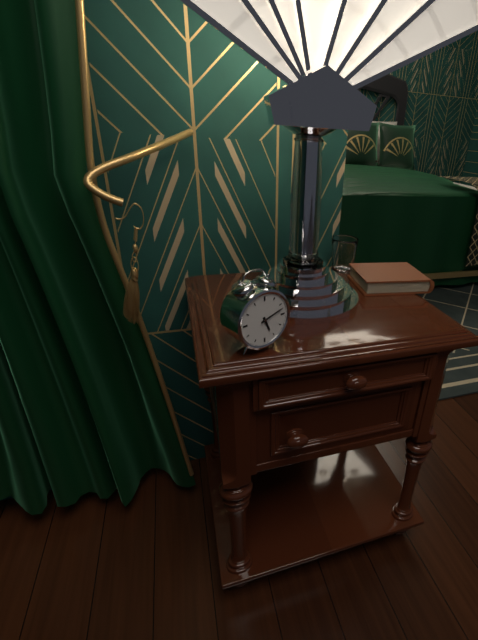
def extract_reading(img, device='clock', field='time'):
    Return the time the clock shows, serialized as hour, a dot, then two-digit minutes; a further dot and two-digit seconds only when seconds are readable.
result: 5.12
